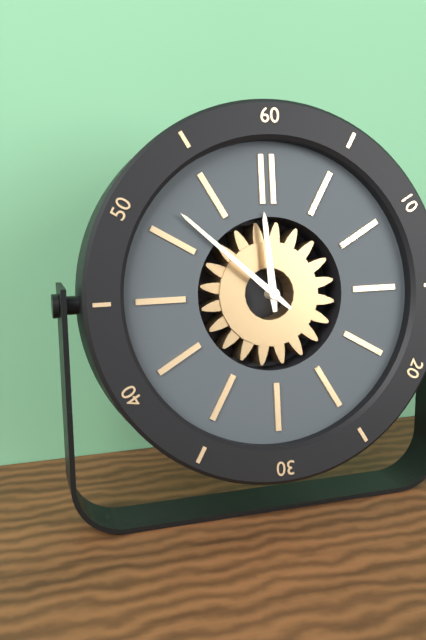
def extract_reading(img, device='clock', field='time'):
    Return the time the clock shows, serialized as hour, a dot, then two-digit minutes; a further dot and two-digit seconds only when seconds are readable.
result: 11.52
